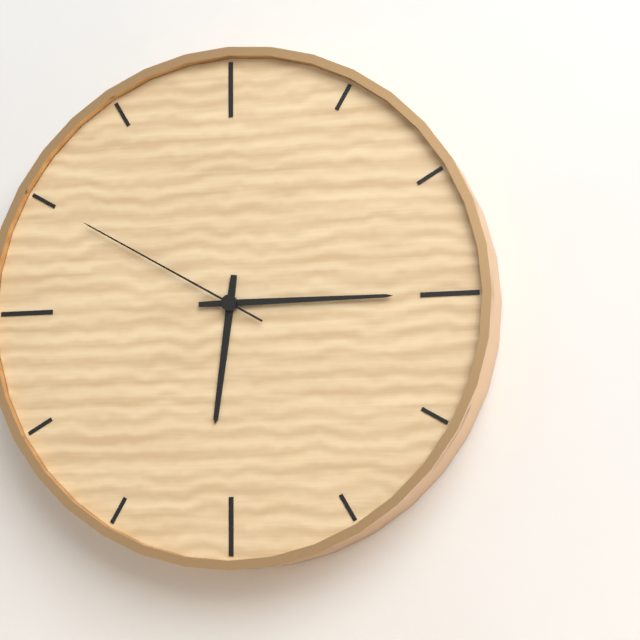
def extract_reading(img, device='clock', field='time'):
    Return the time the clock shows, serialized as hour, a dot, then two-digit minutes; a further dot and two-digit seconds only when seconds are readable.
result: 6.15.50
